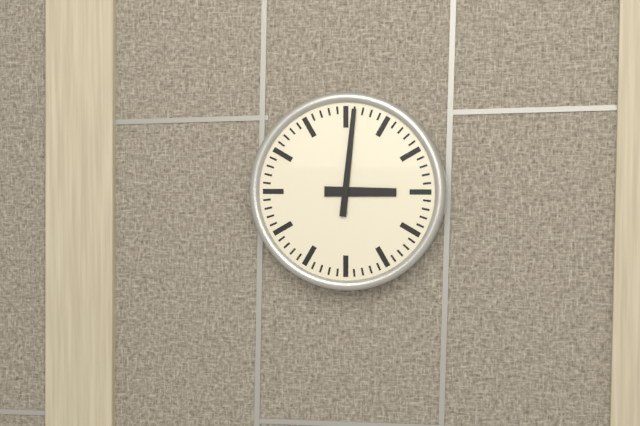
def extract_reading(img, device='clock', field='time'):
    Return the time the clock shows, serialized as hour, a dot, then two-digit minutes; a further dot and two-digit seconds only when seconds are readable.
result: 3.01
